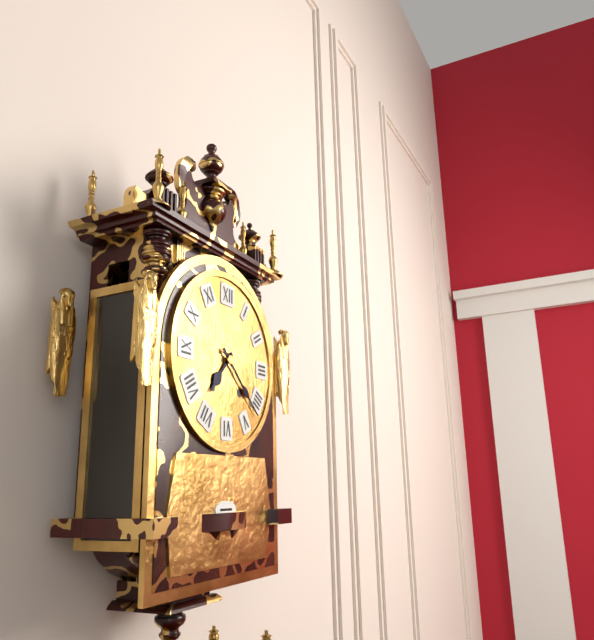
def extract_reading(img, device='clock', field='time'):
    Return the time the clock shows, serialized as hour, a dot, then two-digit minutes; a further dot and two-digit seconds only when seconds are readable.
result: 7.22
